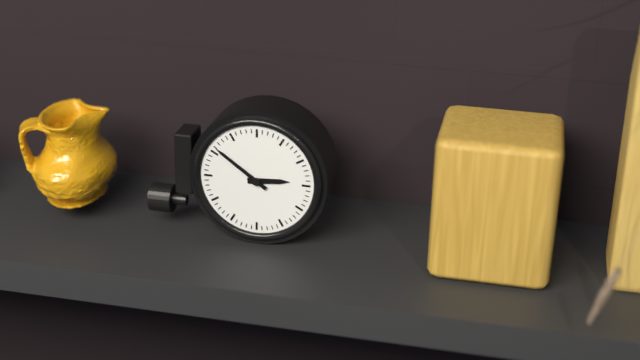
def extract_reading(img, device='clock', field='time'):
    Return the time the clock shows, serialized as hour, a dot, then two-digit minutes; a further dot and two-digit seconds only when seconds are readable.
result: 2.51
